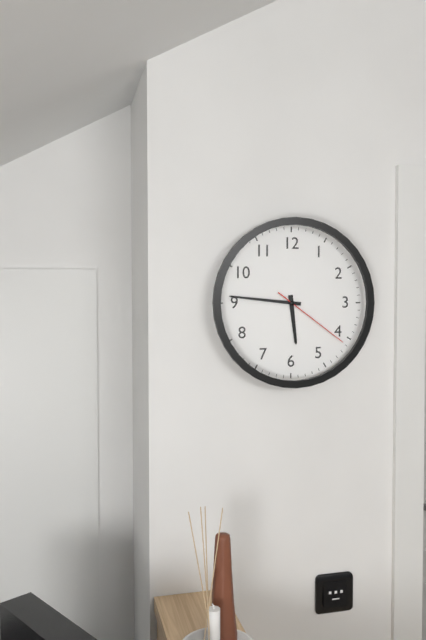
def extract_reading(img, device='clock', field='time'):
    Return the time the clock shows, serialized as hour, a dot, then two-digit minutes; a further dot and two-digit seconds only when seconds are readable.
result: 5.46.21
